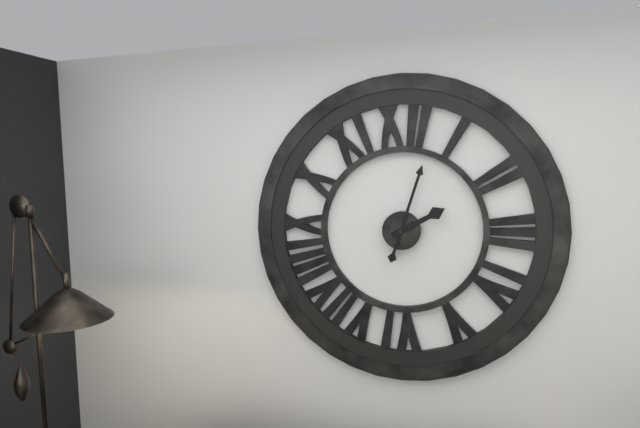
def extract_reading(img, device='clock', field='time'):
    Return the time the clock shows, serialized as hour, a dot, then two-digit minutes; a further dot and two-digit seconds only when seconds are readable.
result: 2.03
